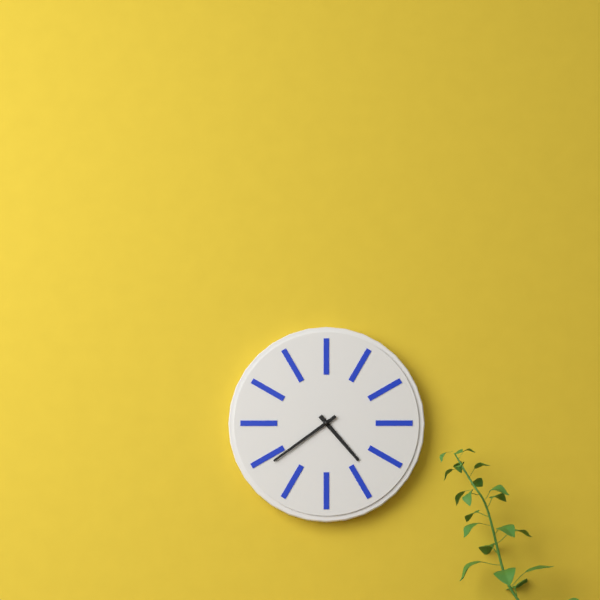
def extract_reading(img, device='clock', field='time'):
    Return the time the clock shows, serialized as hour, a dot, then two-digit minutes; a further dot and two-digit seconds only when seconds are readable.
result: 4.39
